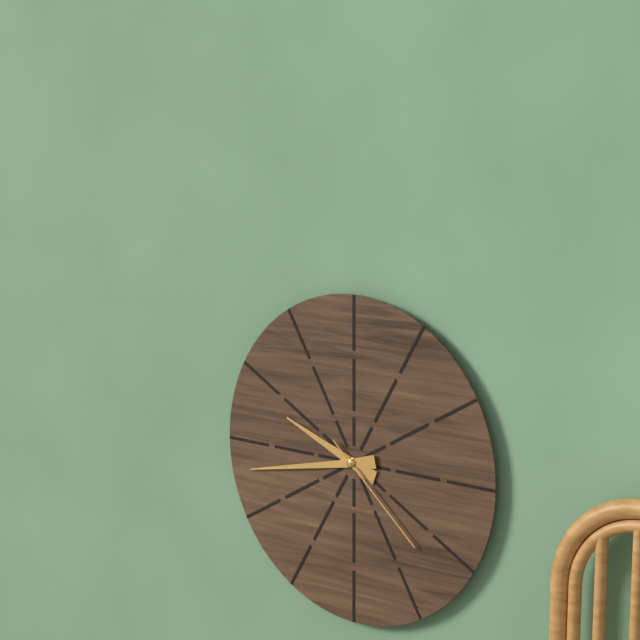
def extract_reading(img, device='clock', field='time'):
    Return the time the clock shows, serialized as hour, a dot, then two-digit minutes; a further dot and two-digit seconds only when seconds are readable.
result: 9.43.22
